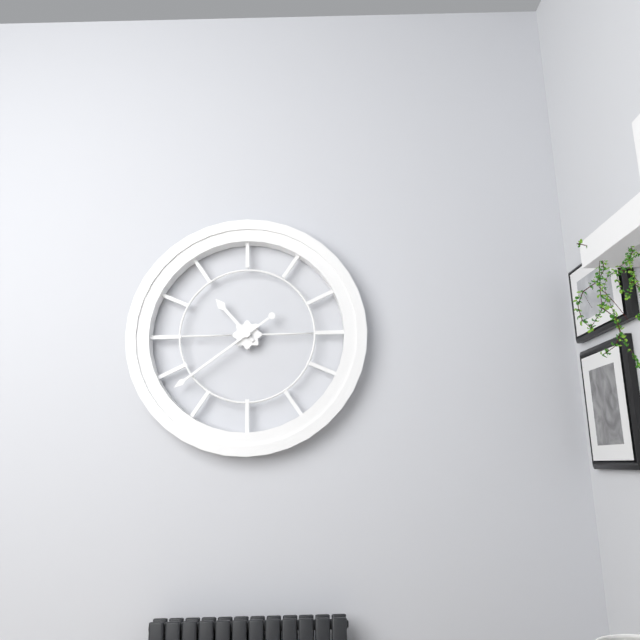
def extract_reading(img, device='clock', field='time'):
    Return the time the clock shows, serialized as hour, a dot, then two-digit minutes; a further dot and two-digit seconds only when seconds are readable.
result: 10.39
